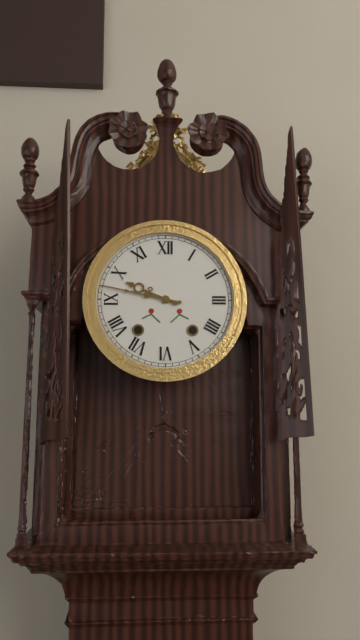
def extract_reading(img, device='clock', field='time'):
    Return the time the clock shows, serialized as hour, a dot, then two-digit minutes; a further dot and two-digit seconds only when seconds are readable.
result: 9.47
